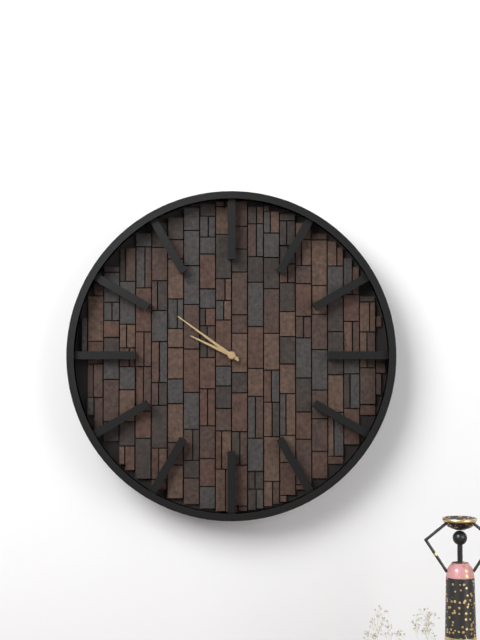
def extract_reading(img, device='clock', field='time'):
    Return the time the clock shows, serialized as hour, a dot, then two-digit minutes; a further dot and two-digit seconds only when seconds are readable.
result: 9.51
